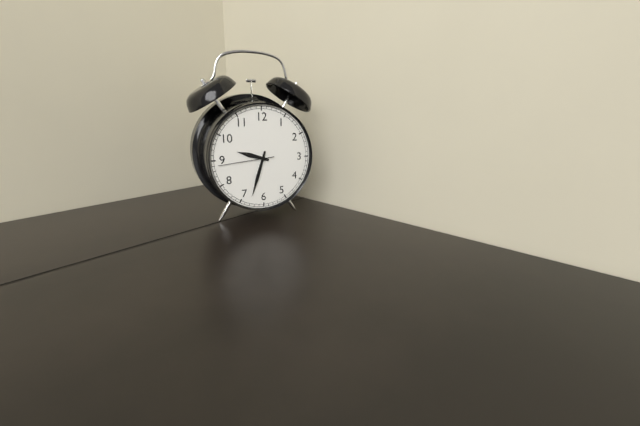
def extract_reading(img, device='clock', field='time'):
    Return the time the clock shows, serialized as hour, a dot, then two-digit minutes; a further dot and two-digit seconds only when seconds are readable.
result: 9.33.44
